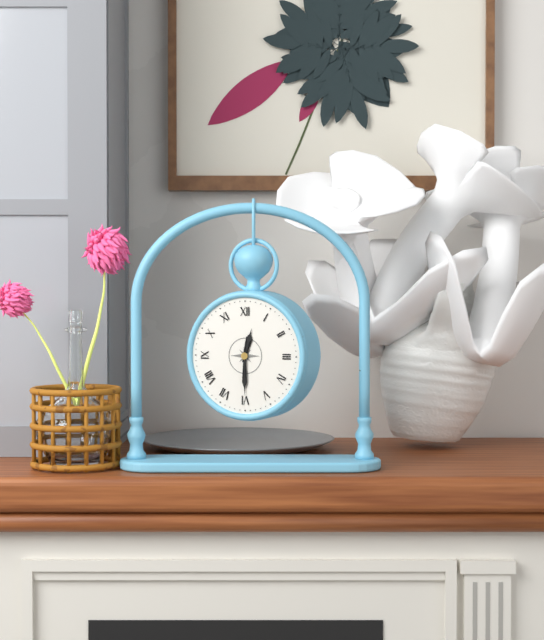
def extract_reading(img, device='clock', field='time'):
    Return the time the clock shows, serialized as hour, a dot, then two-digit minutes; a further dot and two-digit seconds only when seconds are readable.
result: 12.30
